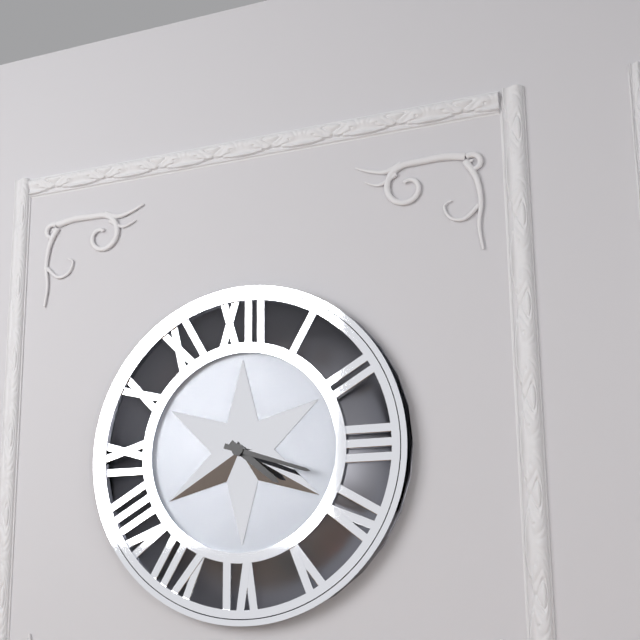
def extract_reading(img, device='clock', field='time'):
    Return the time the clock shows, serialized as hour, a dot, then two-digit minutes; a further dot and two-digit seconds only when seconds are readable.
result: 4.18
